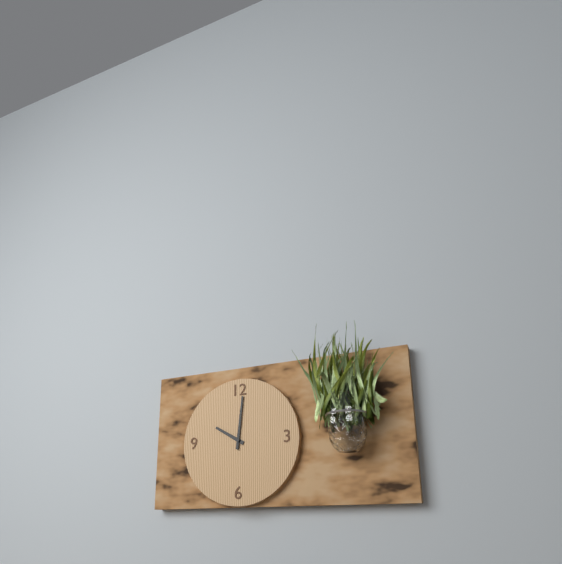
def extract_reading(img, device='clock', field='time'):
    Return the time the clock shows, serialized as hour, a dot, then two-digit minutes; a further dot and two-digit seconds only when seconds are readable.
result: 10.01
